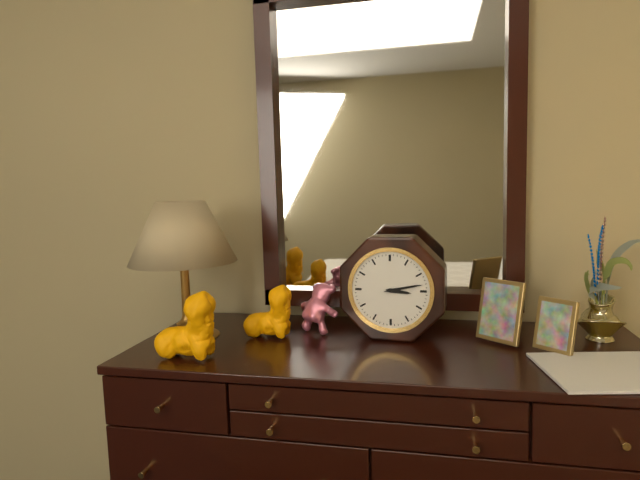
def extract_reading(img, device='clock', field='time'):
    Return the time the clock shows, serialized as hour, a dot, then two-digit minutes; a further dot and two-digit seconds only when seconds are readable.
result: 3.13
